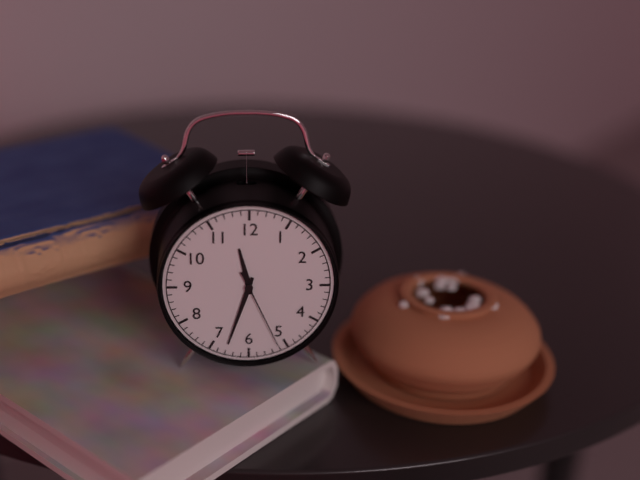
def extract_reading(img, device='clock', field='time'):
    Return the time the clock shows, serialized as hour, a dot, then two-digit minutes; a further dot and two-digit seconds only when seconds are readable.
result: 11.33.26
